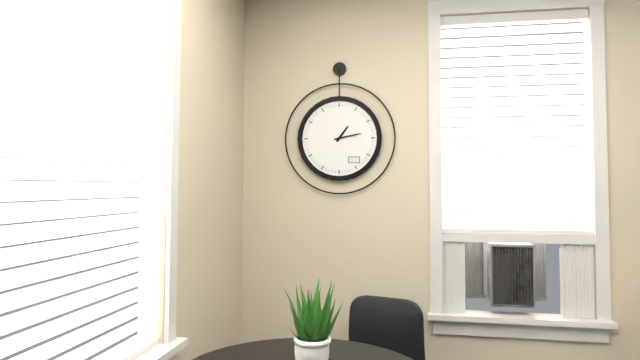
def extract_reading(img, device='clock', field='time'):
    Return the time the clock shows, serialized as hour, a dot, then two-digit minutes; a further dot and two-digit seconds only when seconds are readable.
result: 1.13
